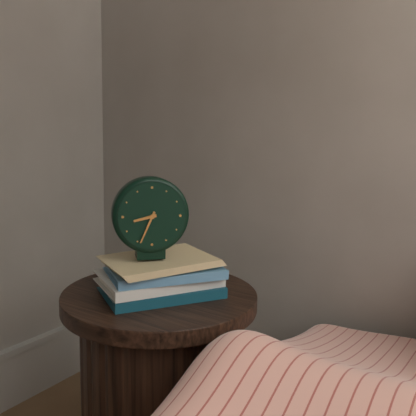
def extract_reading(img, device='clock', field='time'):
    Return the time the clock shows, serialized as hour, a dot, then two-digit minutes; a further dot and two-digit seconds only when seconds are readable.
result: 8.34
